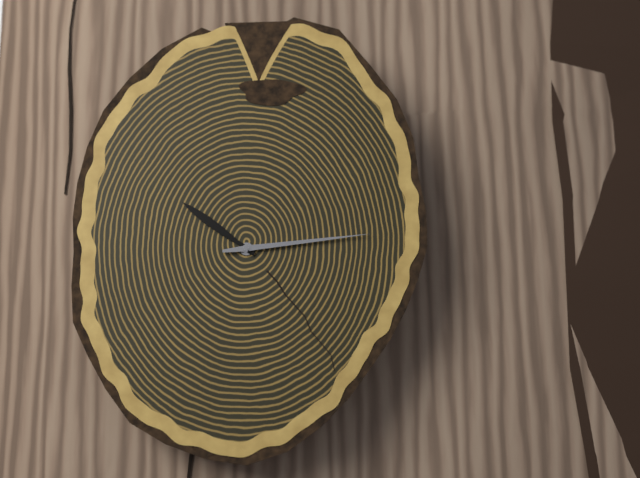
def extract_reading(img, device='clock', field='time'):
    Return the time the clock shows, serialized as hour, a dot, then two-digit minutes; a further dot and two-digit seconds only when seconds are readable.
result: 10.14
